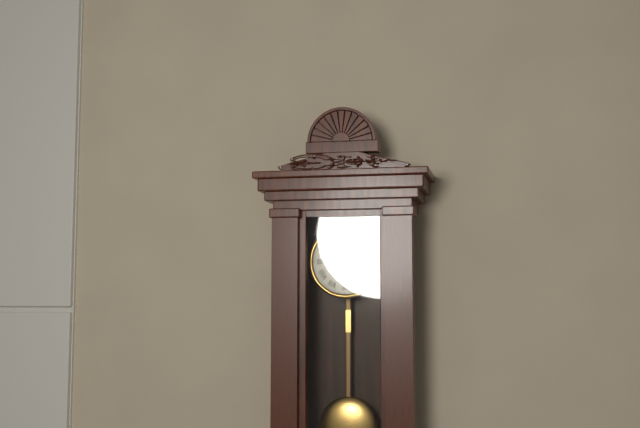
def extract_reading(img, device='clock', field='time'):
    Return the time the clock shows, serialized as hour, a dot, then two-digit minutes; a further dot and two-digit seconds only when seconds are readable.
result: 11.55
